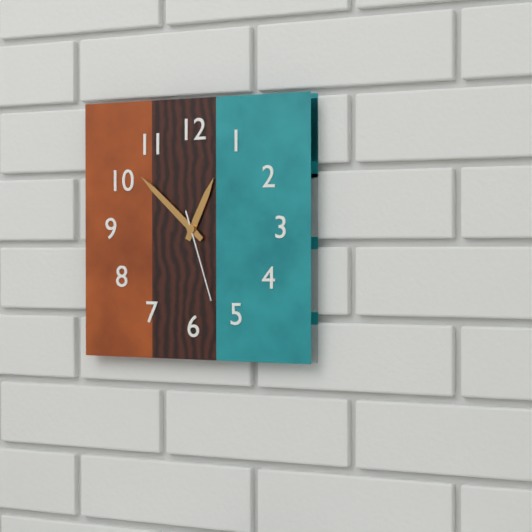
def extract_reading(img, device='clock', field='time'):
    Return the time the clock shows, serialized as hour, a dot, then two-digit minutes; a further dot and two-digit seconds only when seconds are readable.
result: 12.52.27
